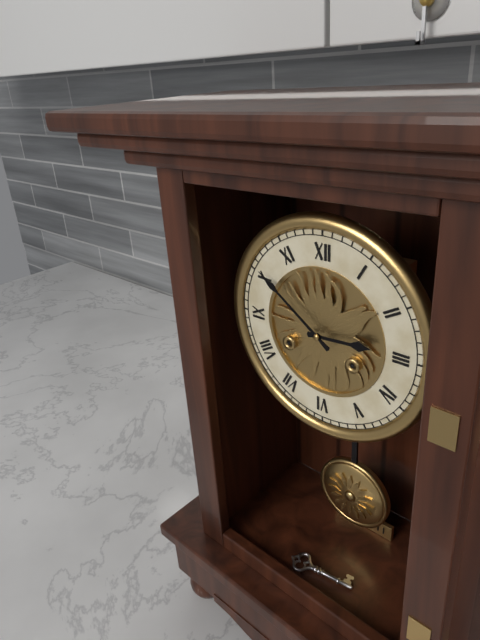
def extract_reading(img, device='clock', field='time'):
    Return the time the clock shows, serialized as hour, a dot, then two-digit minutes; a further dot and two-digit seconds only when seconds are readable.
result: 2.51
